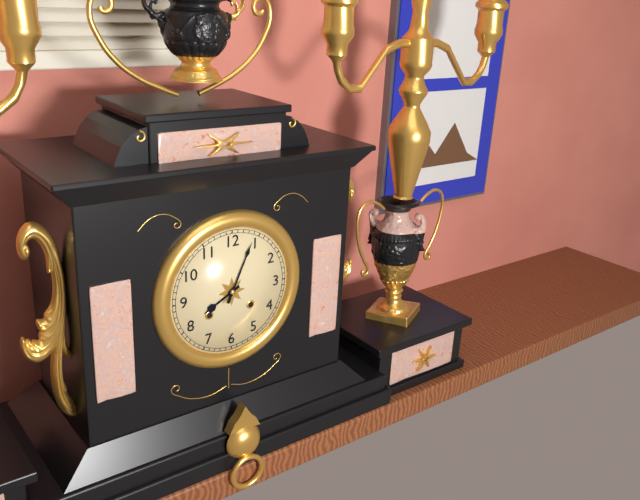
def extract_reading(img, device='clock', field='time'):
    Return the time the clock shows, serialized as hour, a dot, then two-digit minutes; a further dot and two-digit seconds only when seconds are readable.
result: 8.04
